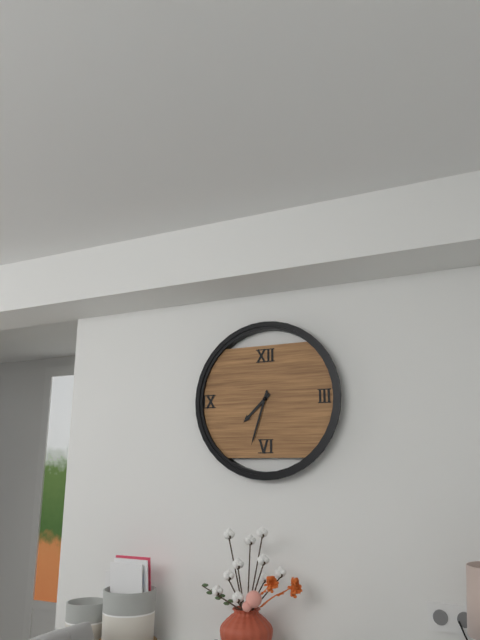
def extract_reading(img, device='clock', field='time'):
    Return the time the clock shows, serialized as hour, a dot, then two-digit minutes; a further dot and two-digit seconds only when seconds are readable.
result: 7.33
